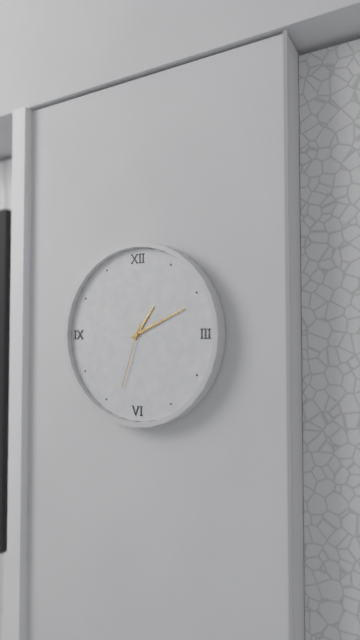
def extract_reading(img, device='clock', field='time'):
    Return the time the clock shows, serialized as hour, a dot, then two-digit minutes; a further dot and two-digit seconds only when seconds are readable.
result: 1.11.33
